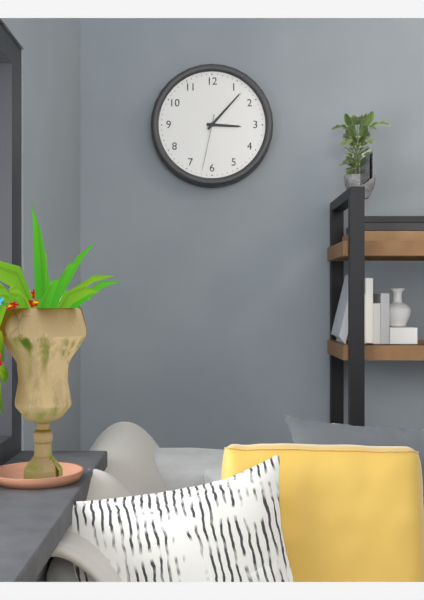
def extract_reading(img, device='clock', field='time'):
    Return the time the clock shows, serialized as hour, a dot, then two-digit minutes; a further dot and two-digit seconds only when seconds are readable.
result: 3.07.32
